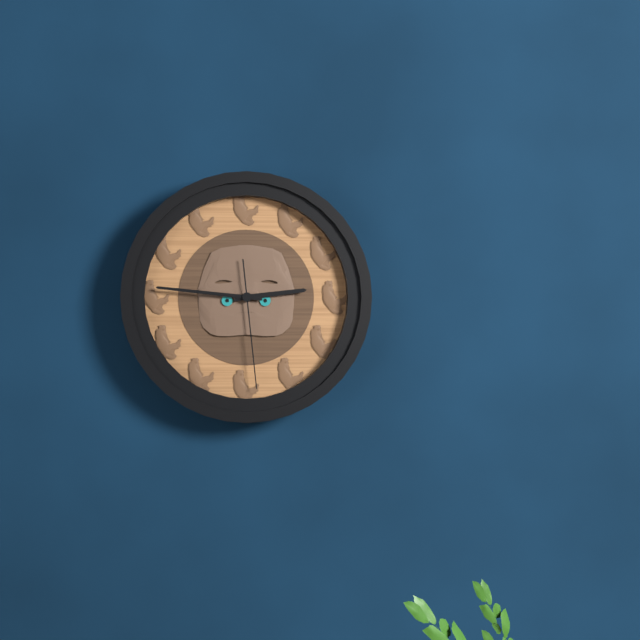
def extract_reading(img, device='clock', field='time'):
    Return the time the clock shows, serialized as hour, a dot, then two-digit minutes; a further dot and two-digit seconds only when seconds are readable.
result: 2.46.29
